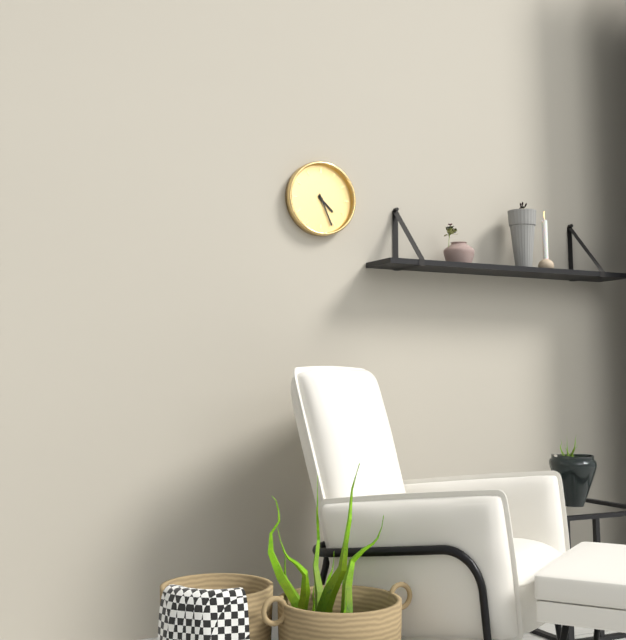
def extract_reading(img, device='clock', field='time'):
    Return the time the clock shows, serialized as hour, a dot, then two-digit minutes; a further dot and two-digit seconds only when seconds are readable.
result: 4.26
